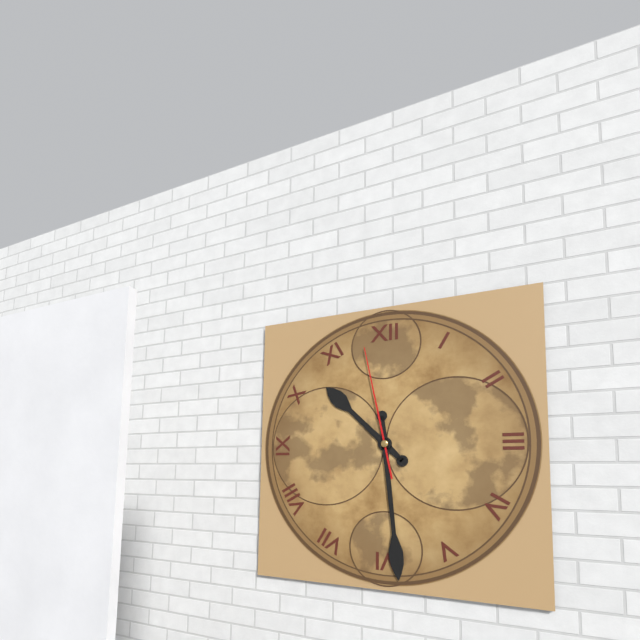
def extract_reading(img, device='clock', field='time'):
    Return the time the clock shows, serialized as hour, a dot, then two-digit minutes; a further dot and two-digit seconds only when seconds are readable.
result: 10.29.58
